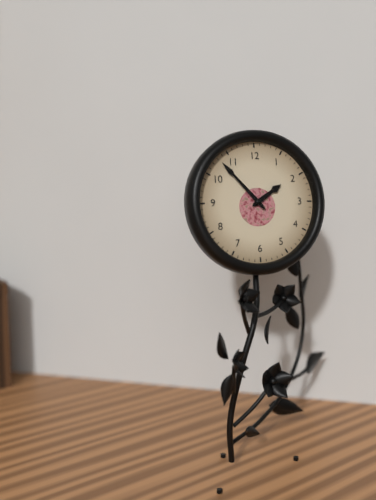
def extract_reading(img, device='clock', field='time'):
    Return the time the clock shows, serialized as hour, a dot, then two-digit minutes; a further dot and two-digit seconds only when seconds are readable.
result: 1.53
